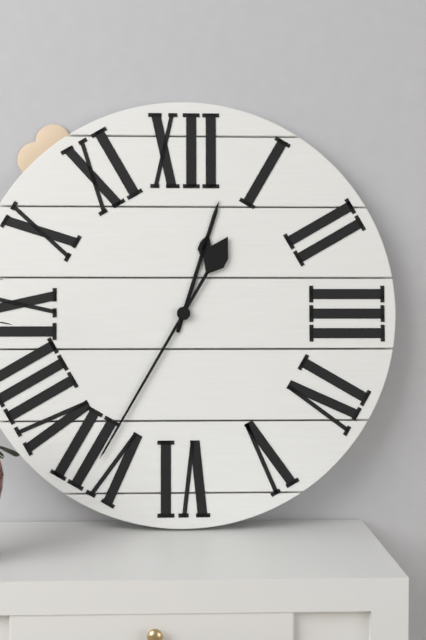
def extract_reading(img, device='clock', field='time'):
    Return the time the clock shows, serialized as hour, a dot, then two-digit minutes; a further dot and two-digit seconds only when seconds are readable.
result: 12.35
